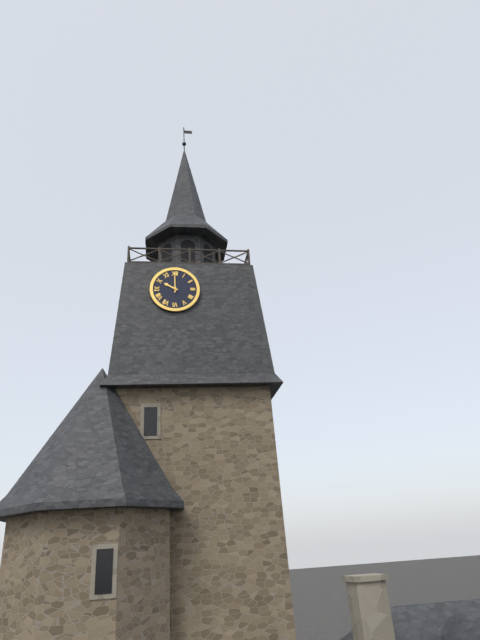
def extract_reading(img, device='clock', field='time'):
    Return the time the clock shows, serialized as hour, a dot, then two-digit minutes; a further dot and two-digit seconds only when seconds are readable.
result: 10.00
